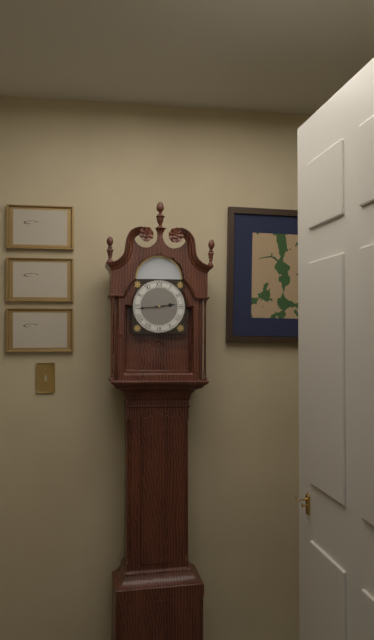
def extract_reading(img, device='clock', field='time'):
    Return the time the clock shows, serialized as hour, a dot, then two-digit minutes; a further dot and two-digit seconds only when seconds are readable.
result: 2.44
